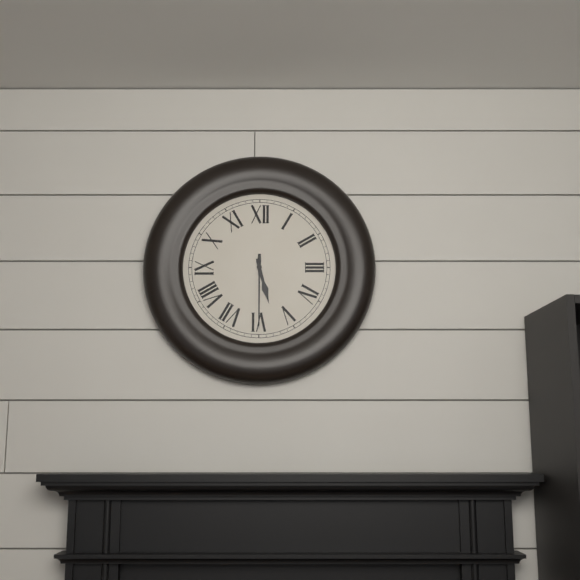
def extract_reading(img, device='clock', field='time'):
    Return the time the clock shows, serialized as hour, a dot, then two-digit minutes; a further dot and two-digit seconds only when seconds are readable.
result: 5.30
